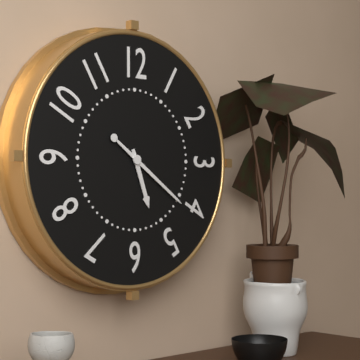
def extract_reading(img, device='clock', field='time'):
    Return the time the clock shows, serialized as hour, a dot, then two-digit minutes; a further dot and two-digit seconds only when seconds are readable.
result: 5.21
